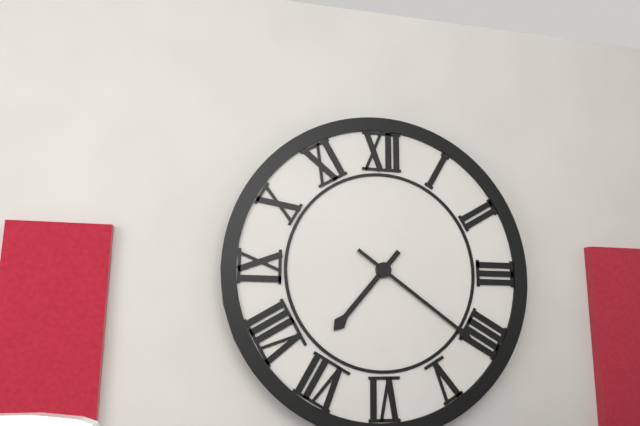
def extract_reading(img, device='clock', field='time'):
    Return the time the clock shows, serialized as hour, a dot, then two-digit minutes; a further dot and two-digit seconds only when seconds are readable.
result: 7.21
